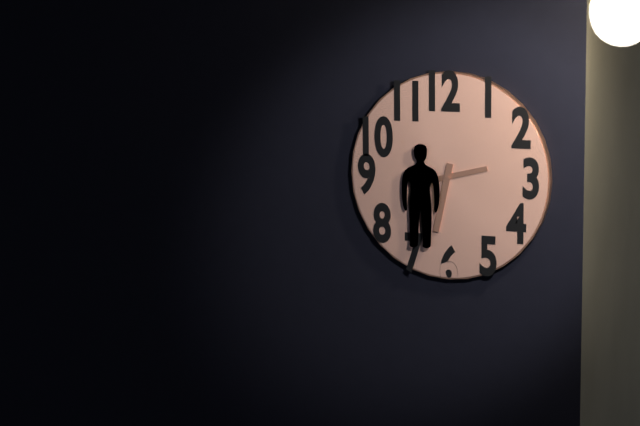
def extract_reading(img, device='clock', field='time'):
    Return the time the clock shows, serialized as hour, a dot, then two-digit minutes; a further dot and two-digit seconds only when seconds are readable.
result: 2.32
